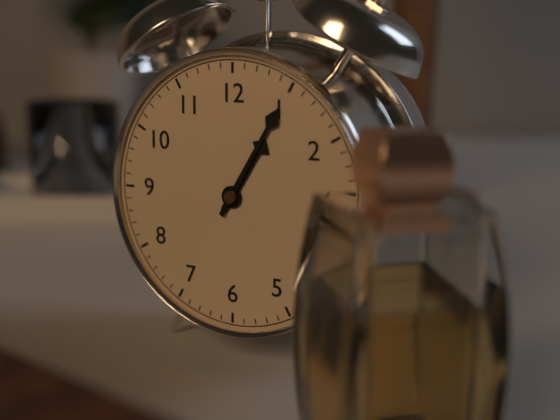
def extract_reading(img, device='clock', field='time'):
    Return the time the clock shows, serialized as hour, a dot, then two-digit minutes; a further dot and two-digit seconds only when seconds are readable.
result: 1.05
